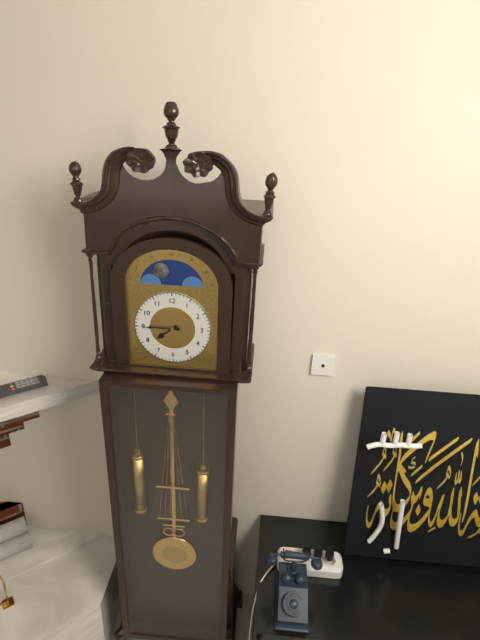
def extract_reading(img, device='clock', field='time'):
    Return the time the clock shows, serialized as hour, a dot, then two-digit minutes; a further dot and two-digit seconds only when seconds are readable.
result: 7.45
